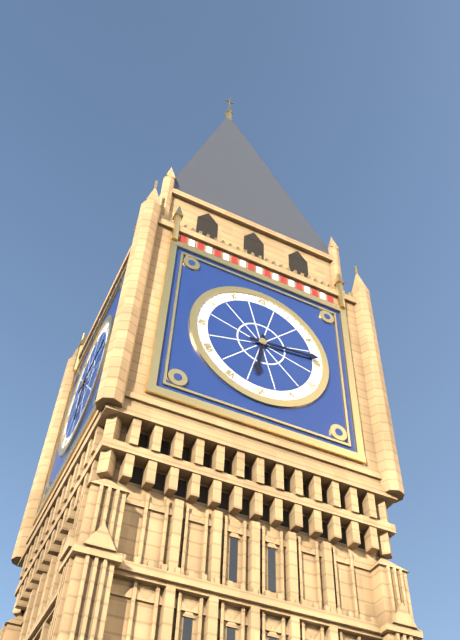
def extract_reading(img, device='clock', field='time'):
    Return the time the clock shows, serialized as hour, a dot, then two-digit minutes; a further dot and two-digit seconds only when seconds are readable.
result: 6.14
